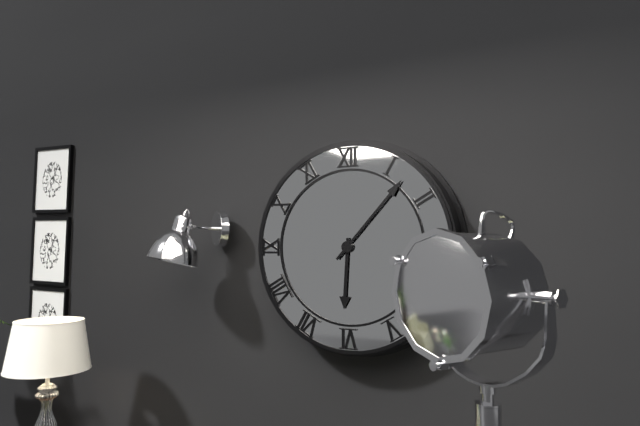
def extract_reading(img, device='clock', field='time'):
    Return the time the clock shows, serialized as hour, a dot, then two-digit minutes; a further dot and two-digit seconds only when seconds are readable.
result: 6.07
